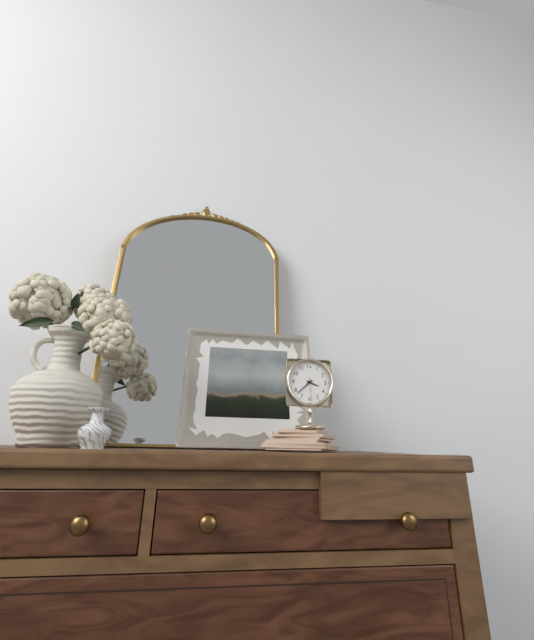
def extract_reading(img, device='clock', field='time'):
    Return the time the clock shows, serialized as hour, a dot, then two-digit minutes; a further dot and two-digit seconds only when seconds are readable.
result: 3.38
